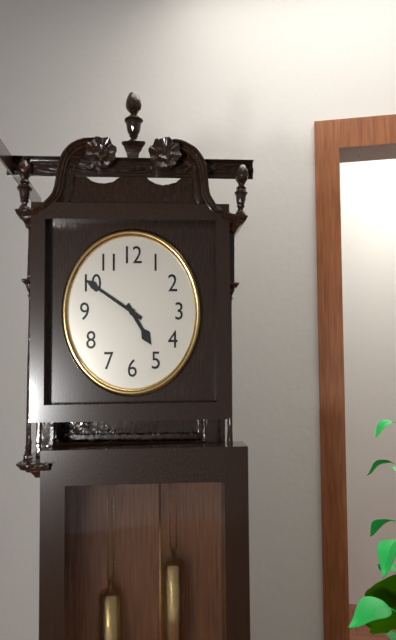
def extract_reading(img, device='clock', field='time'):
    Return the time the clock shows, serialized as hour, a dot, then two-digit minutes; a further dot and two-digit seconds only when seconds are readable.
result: 4.50
